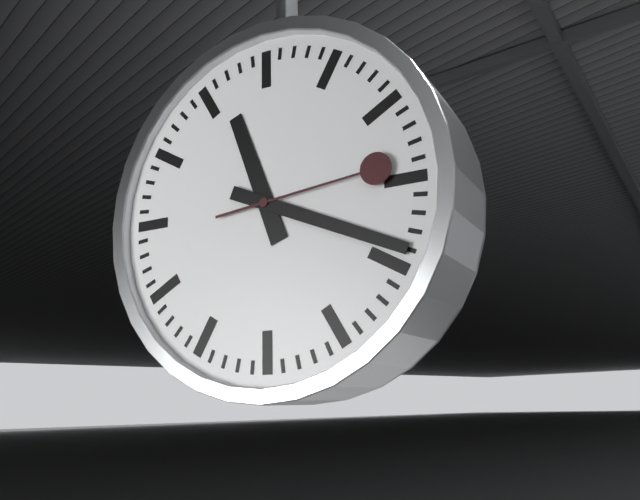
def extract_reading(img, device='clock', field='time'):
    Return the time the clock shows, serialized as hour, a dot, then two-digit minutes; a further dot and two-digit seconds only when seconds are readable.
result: 11.19.14
